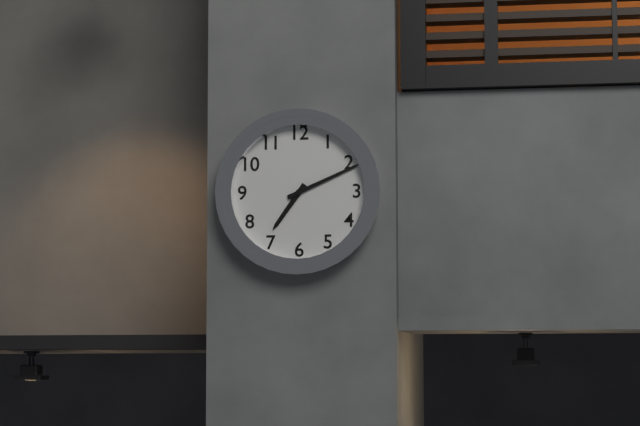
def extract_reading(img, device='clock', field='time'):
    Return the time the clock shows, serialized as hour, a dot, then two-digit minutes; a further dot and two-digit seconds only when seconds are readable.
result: 7.11
